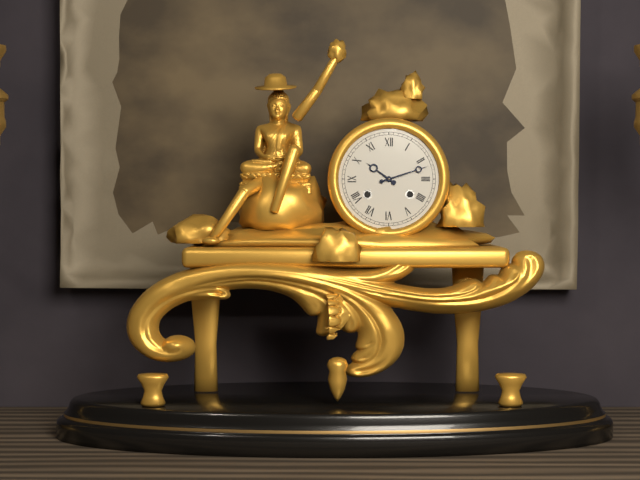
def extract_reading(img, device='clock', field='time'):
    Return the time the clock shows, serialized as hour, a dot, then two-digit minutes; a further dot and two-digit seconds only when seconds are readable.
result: 10.12
